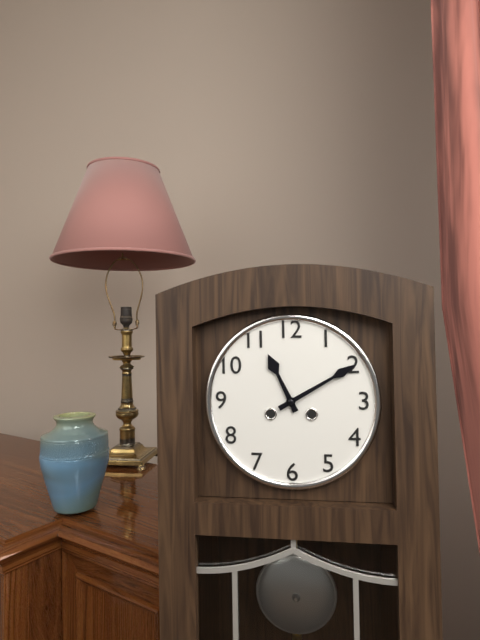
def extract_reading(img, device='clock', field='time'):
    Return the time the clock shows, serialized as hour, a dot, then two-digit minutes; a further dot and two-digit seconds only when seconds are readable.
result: 11.10
